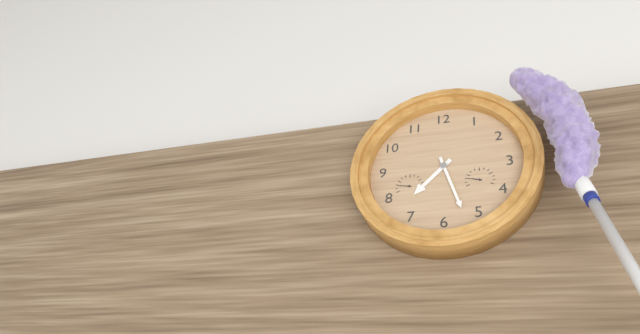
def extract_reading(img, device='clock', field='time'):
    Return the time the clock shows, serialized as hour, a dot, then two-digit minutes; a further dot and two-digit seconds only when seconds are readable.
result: 7.27
